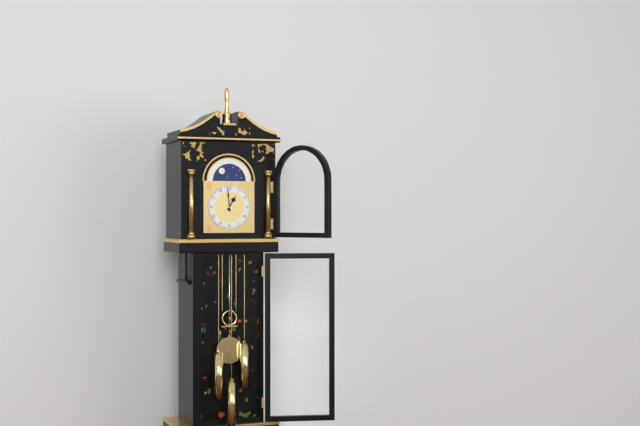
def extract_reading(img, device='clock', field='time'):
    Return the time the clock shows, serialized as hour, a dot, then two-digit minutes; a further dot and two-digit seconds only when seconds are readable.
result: 12.59
